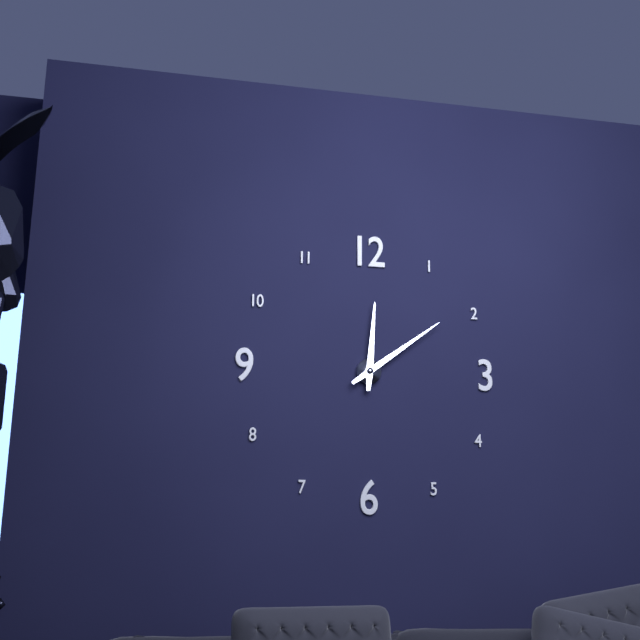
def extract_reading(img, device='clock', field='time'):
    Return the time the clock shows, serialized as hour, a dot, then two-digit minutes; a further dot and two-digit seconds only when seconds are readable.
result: 12.09
